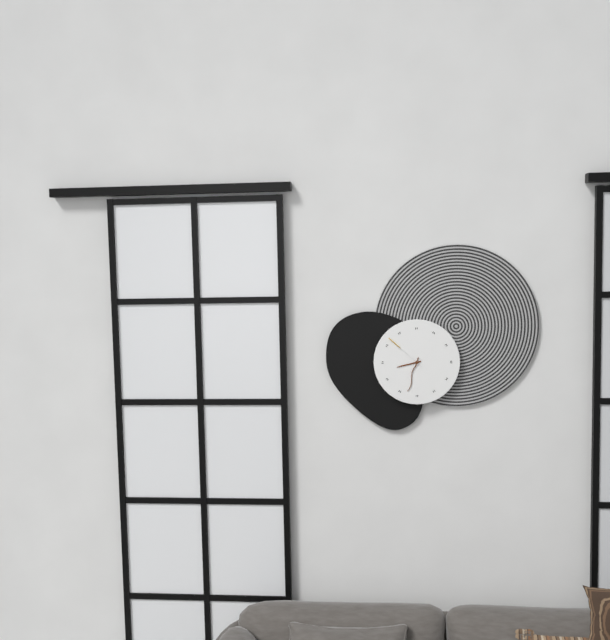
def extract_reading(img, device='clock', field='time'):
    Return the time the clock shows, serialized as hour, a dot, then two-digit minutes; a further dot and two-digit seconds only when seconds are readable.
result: 8.33
